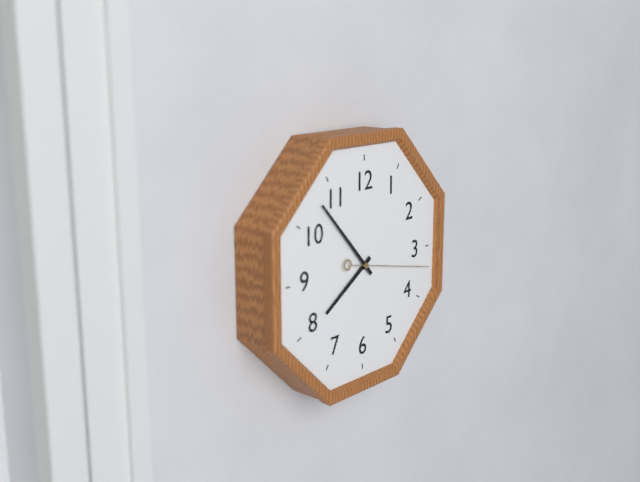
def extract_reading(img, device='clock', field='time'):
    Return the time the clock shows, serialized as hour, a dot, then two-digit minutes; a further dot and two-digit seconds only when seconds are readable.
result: 7.53.17
